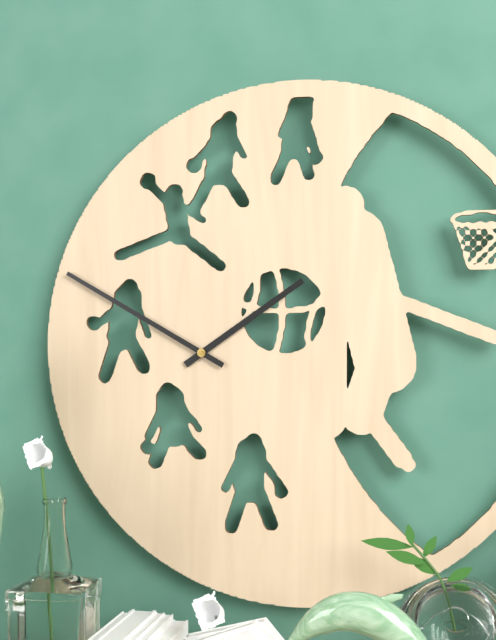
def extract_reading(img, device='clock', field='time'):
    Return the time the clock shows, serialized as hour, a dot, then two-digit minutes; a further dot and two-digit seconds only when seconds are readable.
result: 1.50
